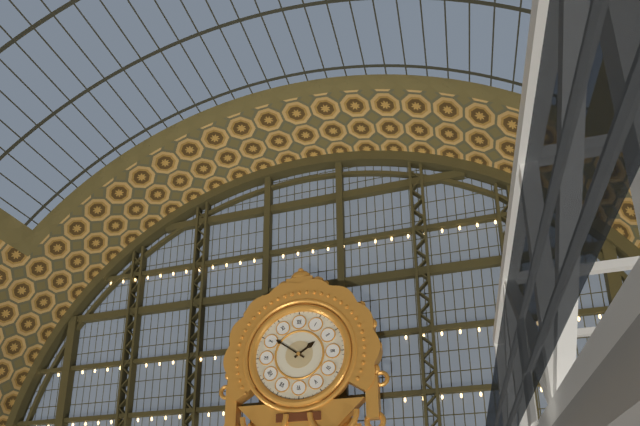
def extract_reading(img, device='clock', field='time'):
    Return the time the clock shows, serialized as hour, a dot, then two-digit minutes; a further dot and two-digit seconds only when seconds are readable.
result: 1.51
